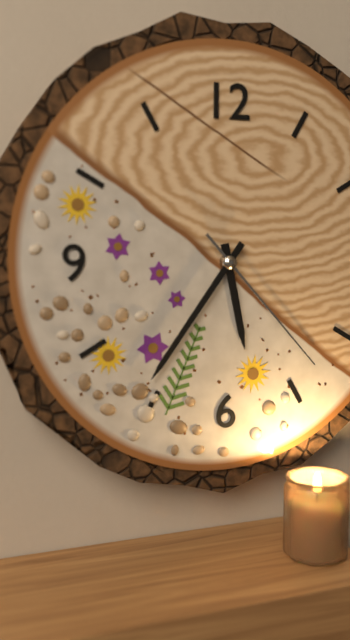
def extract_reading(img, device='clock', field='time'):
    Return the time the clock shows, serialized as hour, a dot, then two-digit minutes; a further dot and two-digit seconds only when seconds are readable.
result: 5.36.23
